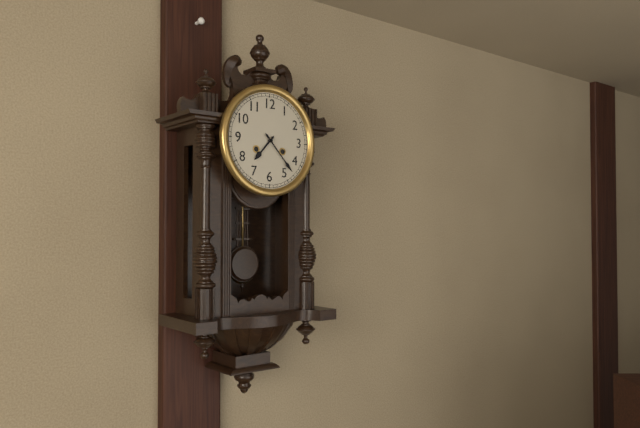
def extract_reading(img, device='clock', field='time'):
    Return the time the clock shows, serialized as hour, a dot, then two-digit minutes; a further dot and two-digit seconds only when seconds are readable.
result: 7.23
